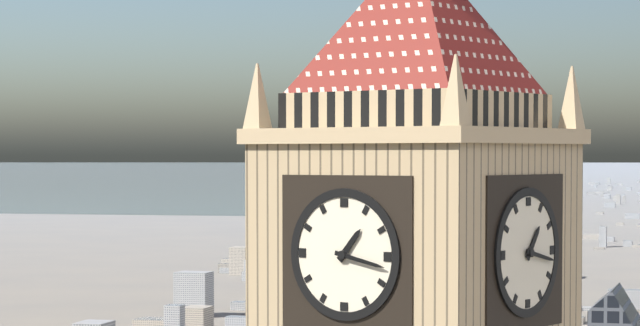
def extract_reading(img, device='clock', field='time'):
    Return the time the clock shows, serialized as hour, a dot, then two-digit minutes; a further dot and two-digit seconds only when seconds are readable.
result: 1.17
